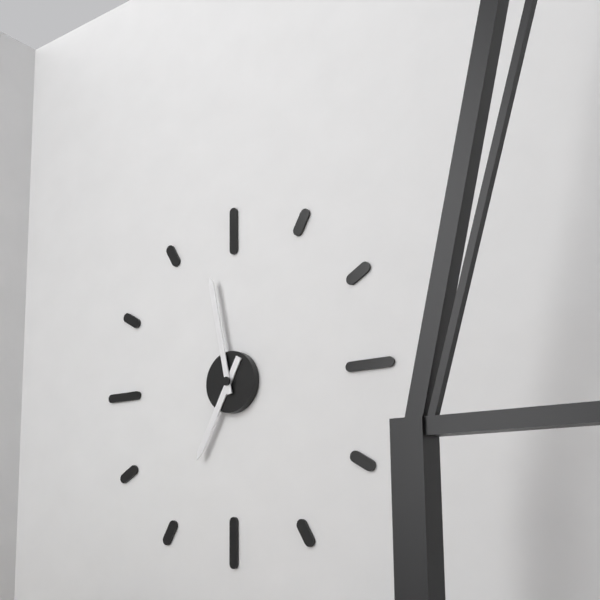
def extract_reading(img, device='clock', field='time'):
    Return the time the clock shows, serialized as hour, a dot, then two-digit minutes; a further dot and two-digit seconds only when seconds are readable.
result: 6.58
